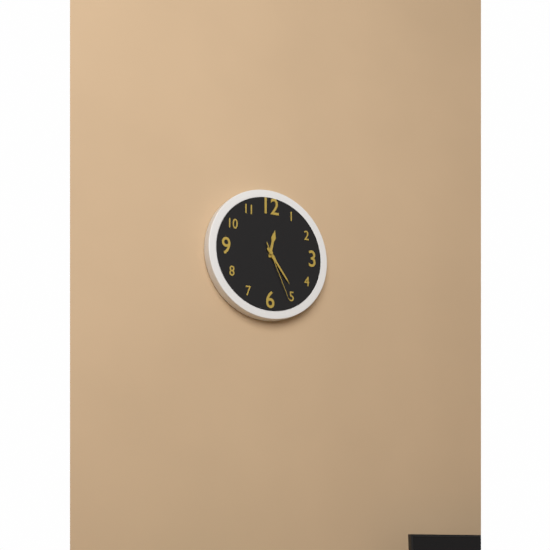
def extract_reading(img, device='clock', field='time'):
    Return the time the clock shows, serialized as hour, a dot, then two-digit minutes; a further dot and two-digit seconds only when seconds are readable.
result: 12.24.26
